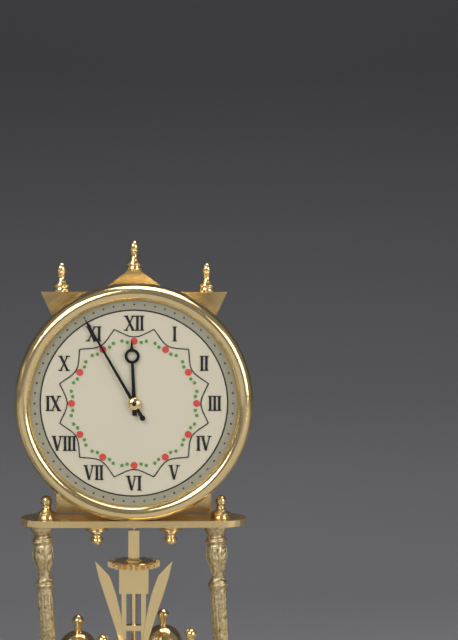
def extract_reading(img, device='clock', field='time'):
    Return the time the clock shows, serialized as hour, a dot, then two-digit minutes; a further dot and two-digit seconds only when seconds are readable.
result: 11.55
